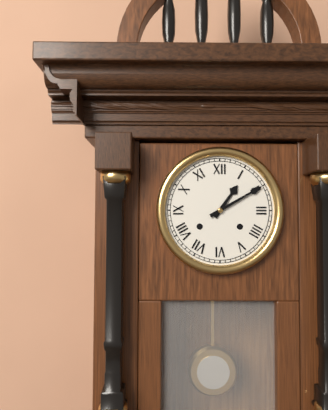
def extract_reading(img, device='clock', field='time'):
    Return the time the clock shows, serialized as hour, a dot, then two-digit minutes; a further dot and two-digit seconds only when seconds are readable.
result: 1.10
